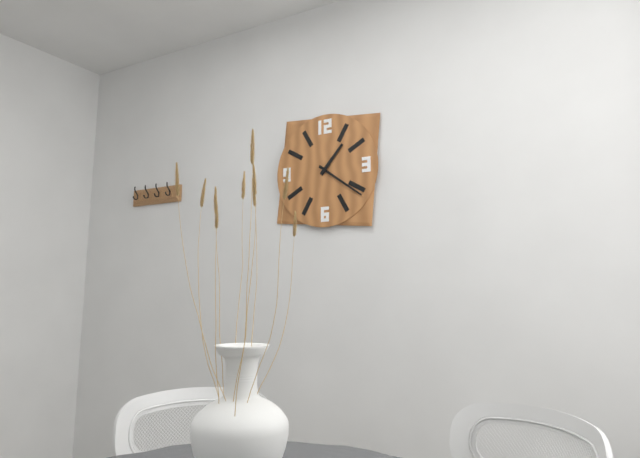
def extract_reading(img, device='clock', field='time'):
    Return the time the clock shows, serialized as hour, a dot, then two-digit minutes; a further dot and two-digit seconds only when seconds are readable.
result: 1.21
